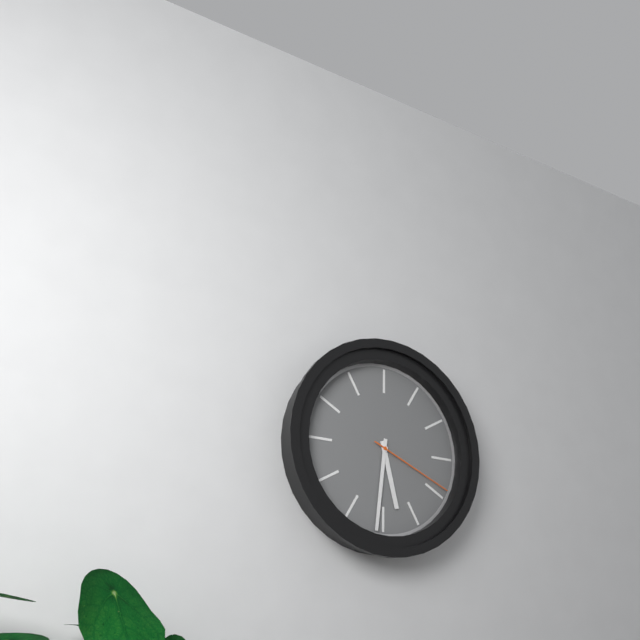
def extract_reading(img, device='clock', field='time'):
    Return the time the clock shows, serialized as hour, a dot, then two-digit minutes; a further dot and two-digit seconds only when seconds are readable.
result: 5.31.19
